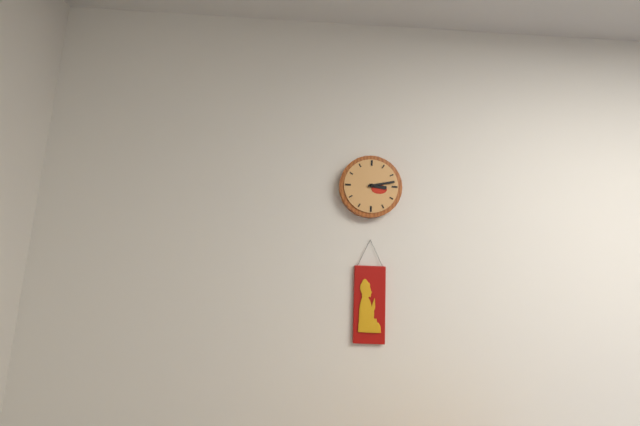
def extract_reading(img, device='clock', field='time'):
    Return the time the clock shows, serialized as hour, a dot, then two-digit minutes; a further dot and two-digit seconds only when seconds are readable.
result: 3.13
